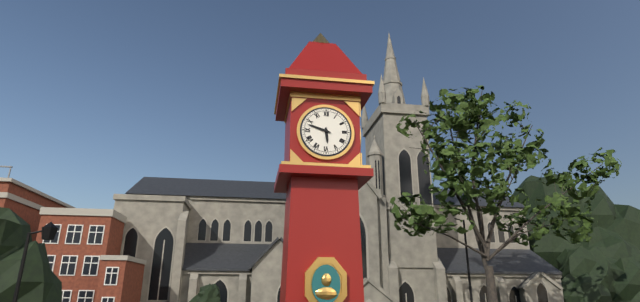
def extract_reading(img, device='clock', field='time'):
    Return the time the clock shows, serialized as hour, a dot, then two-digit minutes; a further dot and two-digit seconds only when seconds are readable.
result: 5.48
